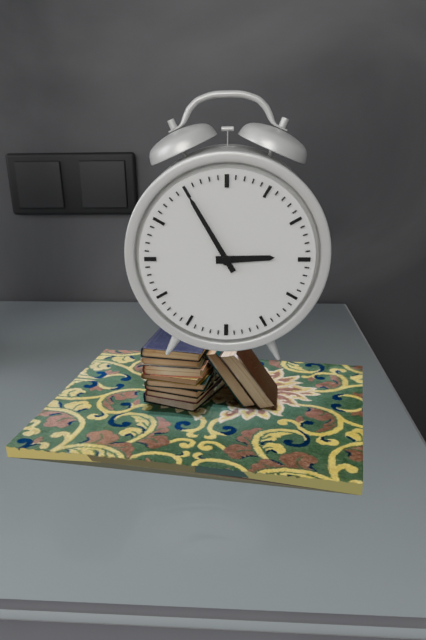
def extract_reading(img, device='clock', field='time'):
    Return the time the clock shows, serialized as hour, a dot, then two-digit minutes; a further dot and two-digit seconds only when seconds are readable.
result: 2.55
